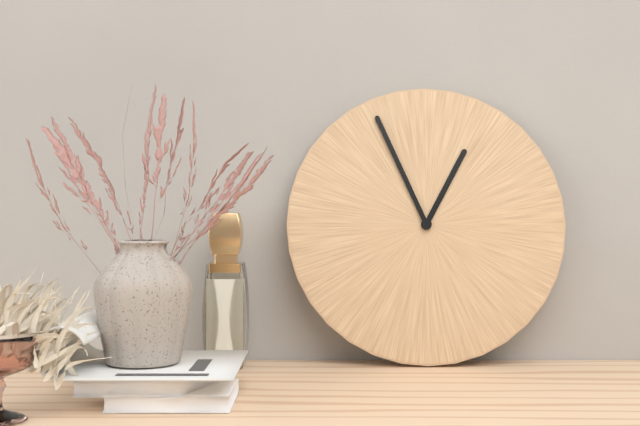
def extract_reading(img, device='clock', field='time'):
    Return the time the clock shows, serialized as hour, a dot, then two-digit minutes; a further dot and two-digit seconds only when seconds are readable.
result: 12.56
